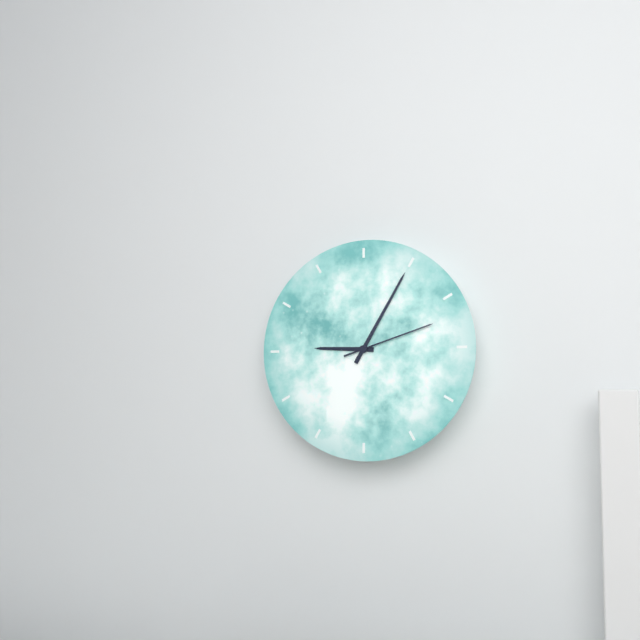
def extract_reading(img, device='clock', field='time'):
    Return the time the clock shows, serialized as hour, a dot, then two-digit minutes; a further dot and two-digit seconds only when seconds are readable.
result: 9.05.12
